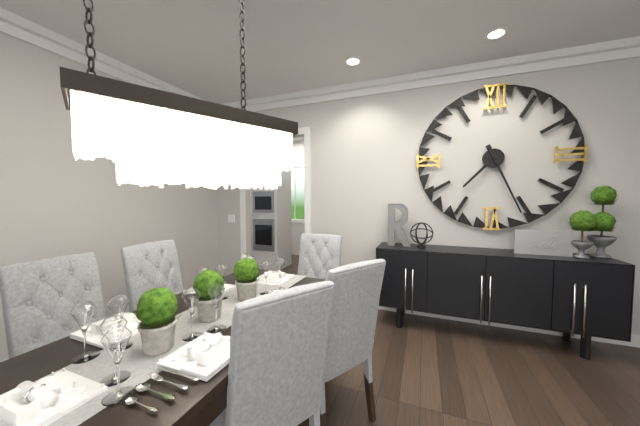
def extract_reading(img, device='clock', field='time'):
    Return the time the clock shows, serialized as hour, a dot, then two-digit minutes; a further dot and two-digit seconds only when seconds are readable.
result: 7.26
